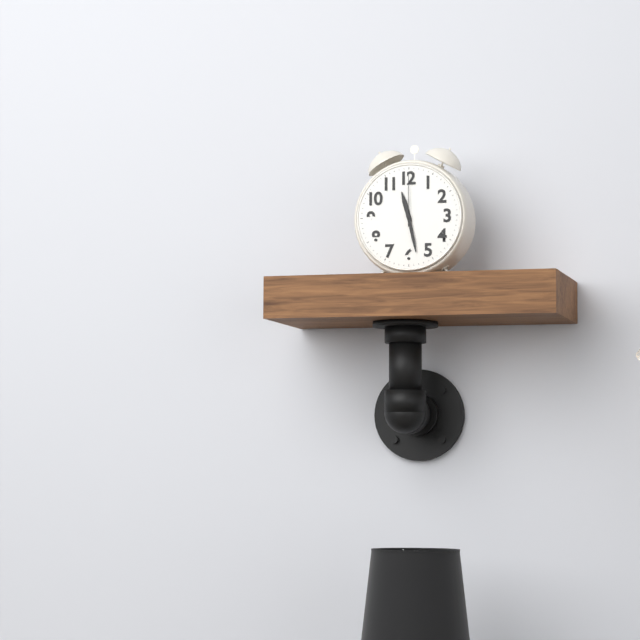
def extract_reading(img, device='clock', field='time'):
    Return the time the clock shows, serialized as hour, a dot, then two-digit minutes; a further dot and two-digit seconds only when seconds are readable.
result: 11.28.00
